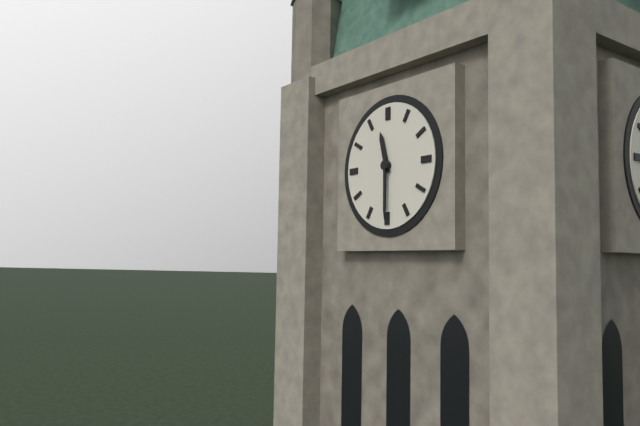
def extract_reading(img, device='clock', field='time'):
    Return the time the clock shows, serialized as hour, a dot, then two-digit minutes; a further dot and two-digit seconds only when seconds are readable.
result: 11.30
